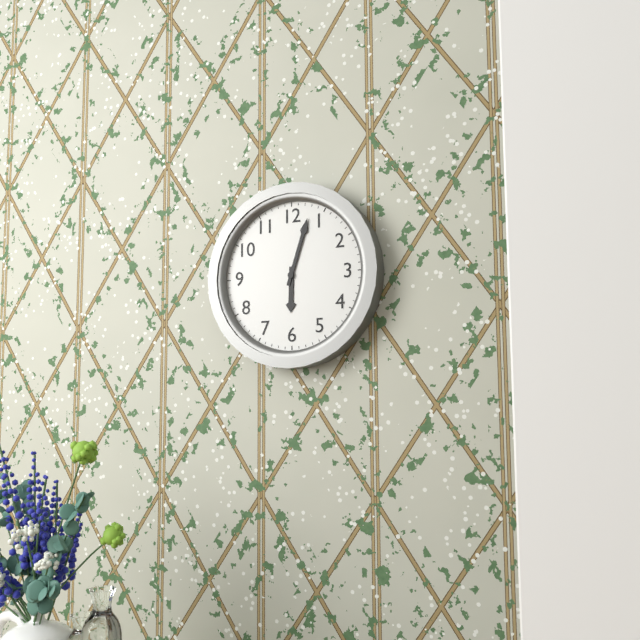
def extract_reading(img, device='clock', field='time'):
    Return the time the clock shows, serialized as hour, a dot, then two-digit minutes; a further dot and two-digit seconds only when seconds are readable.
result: 6.03
